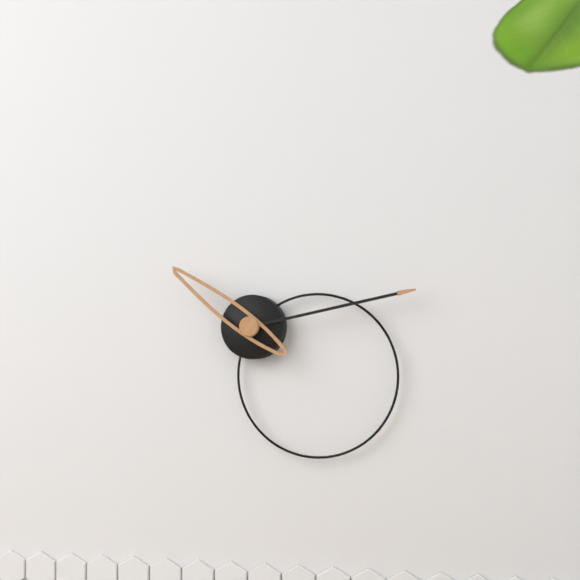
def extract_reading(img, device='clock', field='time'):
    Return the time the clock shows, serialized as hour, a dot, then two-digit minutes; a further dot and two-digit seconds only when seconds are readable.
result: 10.13
